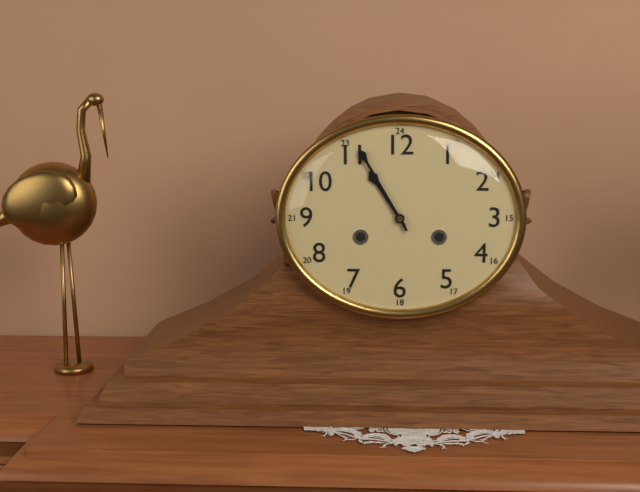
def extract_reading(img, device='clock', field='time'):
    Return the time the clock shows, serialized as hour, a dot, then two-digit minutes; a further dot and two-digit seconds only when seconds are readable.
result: 10.55
